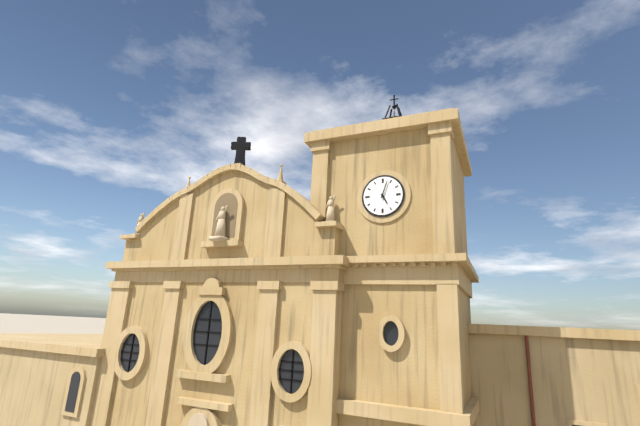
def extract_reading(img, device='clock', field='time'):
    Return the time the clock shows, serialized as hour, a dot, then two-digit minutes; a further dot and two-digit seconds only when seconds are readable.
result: 5.03
